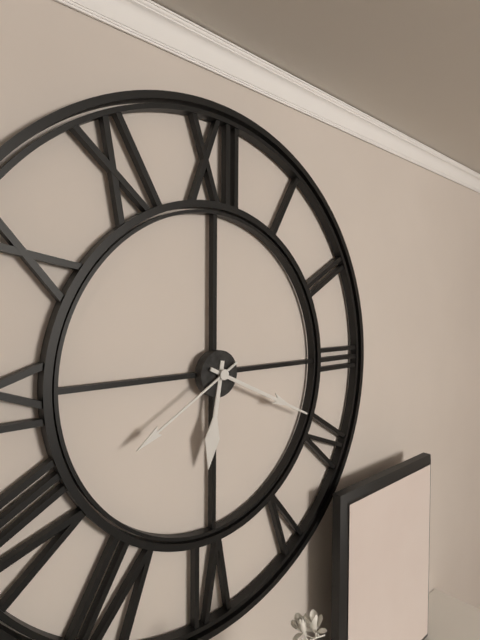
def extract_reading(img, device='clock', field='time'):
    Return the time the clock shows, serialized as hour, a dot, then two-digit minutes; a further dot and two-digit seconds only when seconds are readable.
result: 6.19.40
